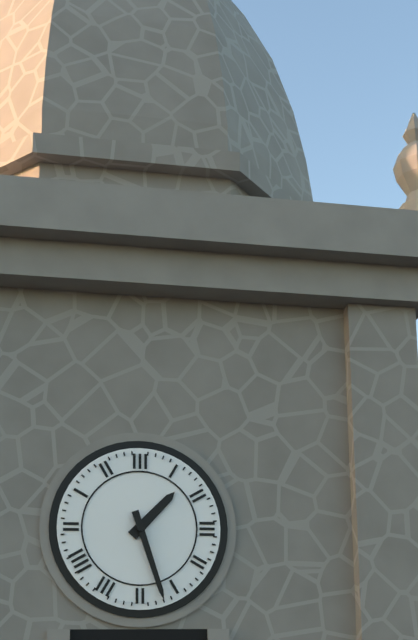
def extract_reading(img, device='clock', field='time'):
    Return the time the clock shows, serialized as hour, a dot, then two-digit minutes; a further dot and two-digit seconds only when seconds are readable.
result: 1.27
